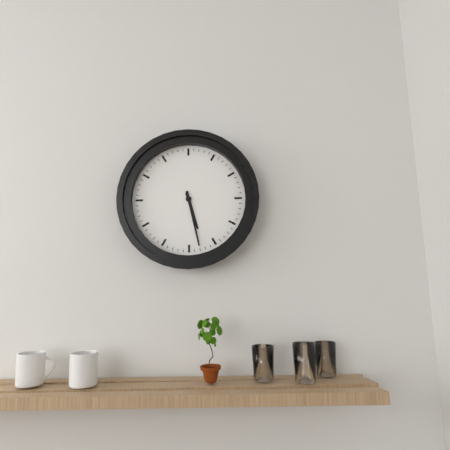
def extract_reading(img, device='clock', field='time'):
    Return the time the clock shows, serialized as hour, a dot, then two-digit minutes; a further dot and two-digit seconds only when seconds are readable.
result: 5.28
